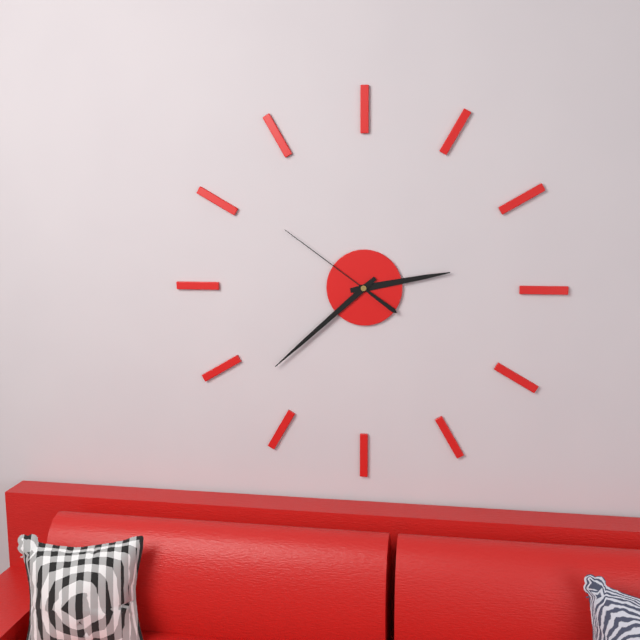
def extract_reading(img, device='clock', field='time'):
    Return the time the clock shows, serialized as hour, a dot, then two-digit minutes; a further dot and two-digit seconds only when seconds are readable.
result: 2.38.51
